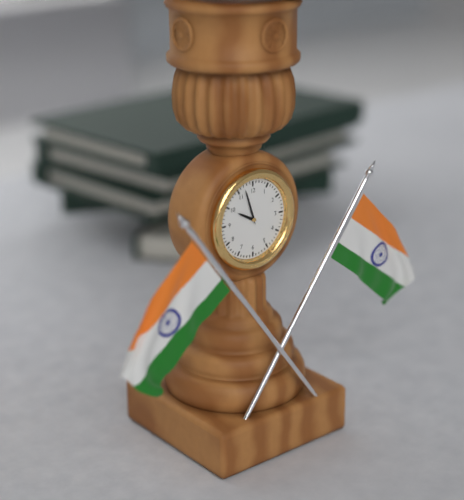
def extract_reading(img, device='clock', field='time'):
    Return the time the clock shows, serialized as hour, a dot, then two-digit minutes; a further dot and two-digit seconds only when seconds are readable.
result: 9.57
